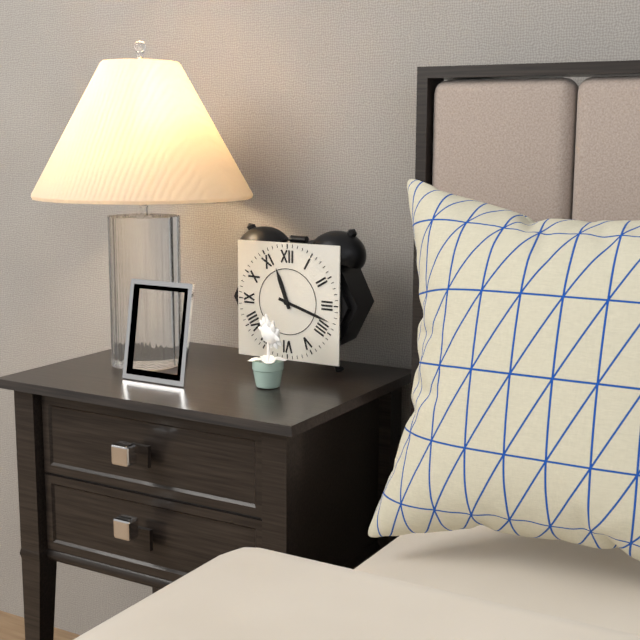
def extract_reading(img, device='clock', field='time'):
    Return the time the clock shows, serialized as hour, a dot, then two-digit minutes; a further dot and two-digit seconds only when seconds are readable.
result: 11.18
